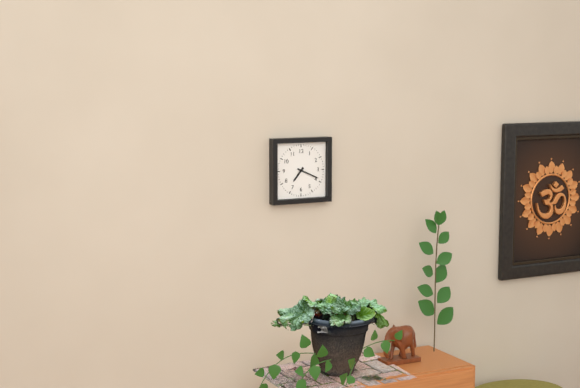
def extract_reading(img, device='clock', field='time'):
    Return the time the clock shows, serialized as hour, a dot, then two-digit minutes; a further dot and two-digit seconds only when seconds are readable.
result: 7.19
